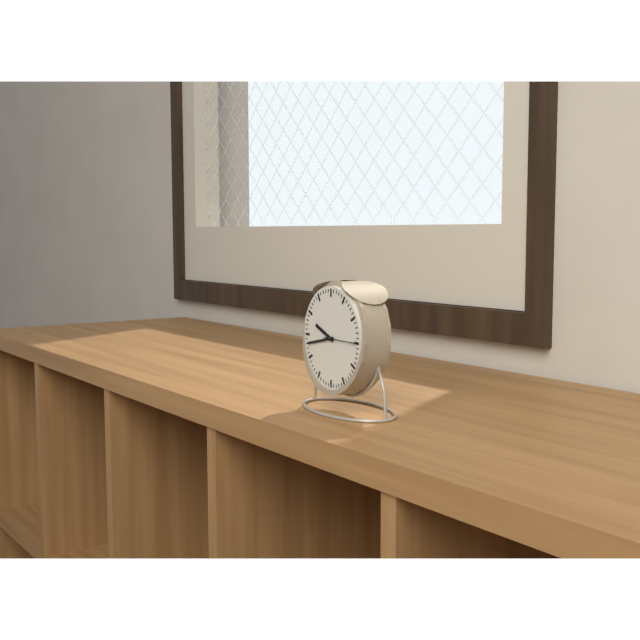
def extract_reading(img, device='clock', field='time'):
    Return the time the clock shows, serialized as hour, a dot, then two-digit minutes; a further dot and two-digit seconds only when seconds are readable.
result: 9.43
